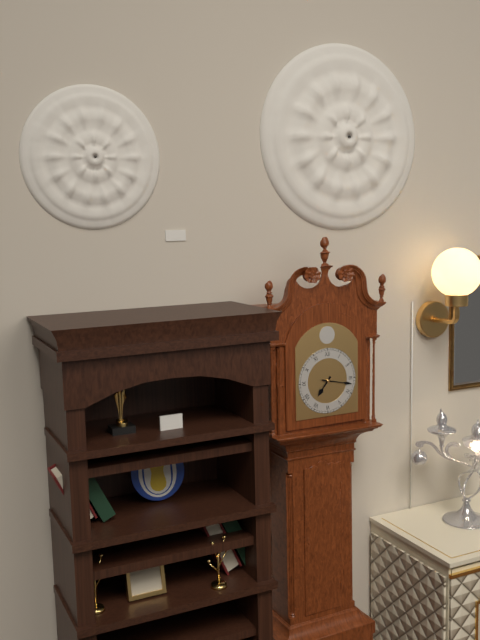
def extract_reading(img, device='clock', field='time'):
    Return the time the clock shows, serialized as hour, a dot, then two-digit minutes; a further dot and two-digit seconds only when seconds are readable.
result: 7.17
